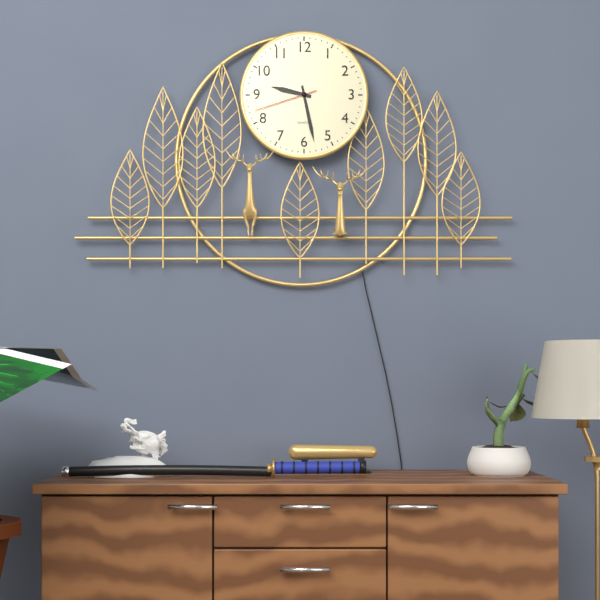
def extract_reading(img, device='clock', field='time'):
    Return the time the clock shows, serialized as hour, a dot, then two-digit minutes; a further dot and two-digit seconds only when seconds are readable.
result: 9.28.42
